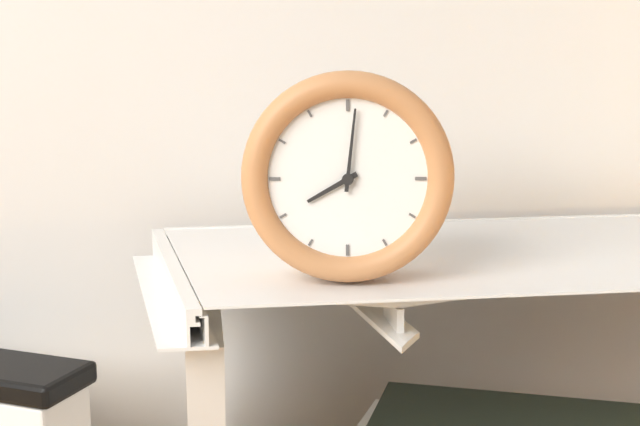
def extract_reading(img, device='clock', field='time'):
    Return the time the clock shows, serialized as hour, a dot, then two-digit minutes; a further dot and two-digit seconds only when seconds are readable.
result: 8.01
